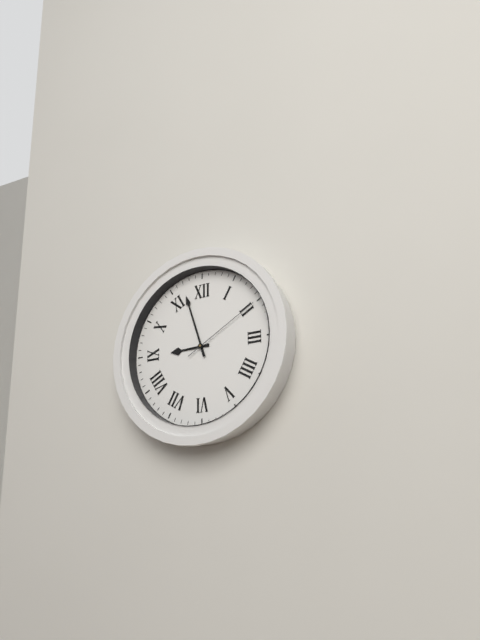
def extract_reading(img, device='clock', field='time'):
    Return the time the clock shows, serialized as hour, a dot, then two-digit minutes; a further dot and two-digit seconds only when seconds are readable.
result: 8.57.10
